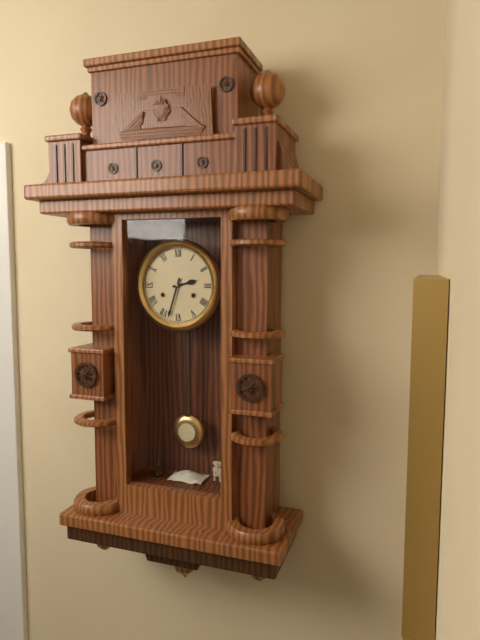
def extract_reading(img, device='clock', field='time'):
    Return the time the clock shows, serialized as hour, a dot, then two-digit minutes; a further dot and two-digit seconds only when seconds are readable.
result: 2.33
